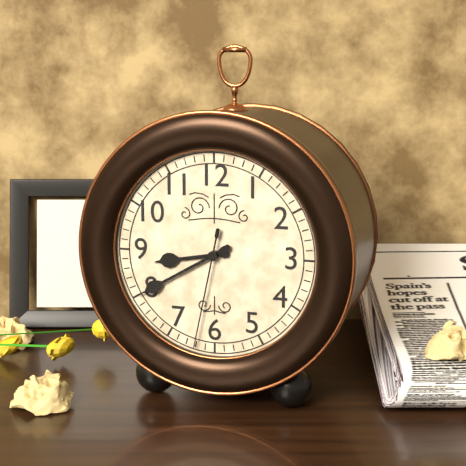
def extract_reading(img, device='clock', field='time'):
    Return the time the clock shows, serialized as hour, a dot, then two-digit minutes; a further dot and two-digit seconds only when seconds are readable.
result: 8.40.32
